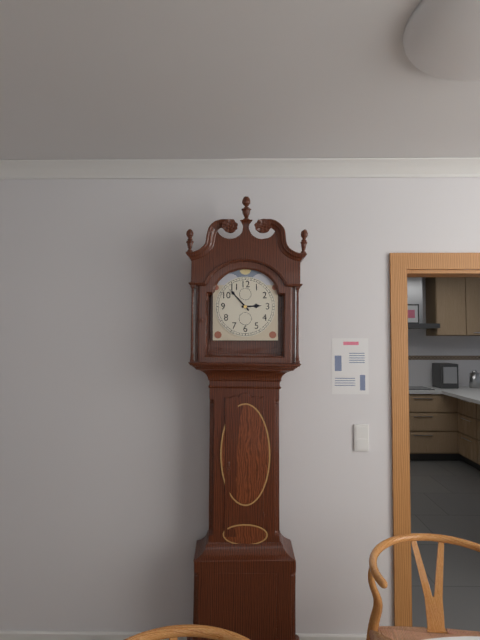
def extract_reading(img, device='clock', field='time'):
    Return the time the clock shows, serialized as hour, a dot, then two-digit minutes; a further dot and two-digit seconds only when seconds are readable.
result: 2.53
